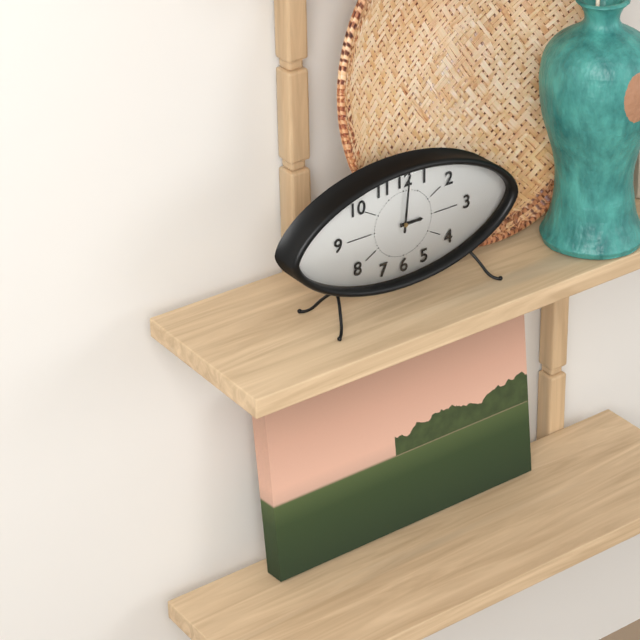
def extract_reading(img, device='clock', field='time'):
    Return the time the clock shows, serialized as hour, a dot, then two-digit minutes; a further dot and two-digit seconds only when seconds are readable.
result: 3.01
